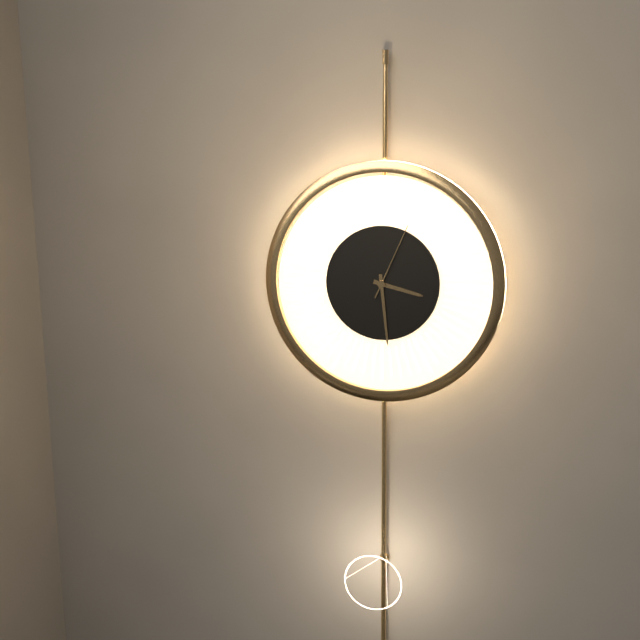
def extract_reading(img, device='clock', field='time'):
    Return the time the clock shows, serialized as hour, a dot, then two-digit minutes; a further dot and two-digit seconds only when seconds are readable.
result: 3.29.04
